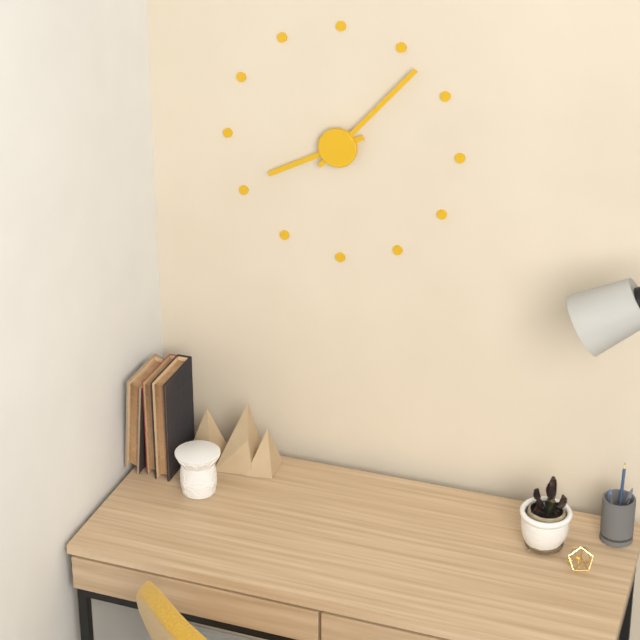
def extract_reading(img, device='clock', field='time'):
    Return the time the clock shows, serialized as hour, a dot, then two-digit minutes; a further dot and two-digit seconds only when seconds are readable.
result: 8.07
